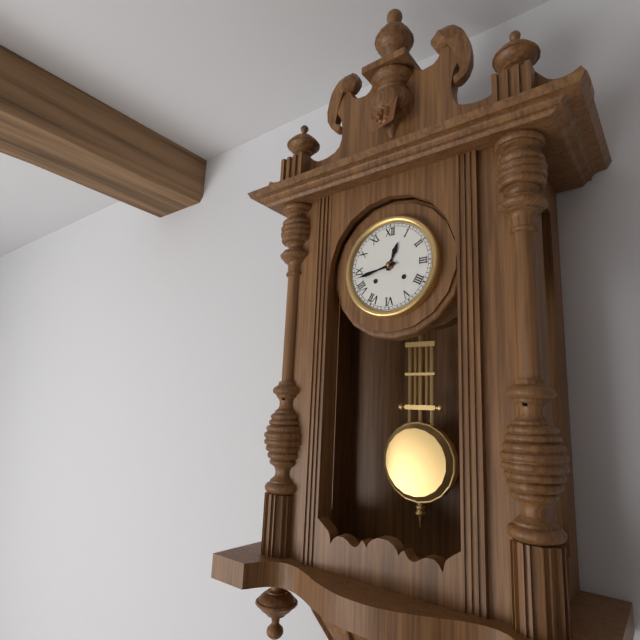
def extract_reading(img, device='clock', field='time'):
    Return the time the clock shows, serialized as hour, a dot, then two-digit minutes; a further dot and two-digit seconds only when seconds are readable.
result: 12.43
